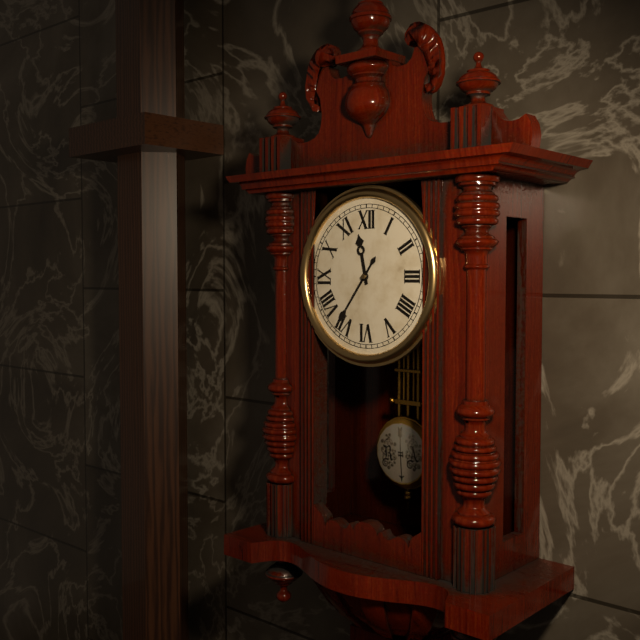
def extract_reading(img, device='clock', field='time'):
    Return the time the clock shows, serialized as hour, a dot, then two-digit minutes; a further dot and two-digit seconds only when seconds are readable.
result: 11.36
